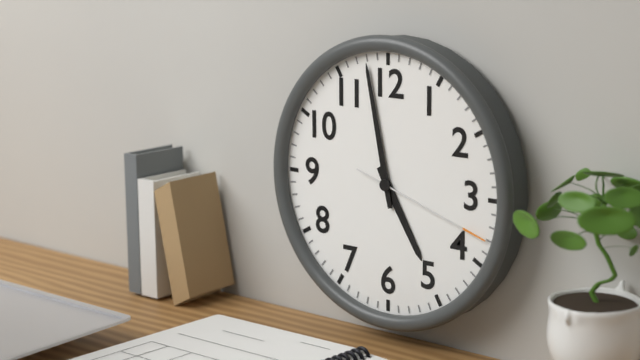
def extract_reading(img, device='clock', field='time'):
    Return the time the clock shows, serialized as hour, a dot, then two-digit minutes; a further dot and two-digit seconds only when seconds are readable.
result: 4.58.18
